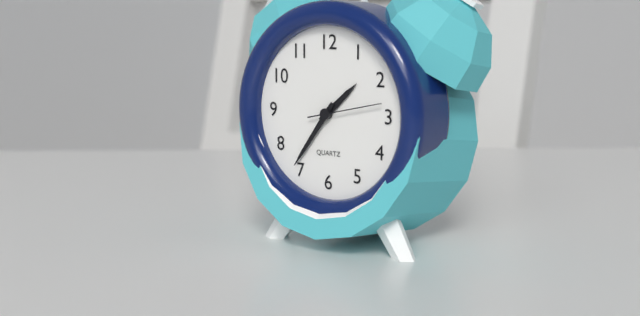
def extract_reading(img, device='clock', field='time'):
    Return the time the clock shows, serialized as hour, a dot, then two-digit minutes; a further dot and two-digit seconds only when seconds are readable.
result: 1.36.13
